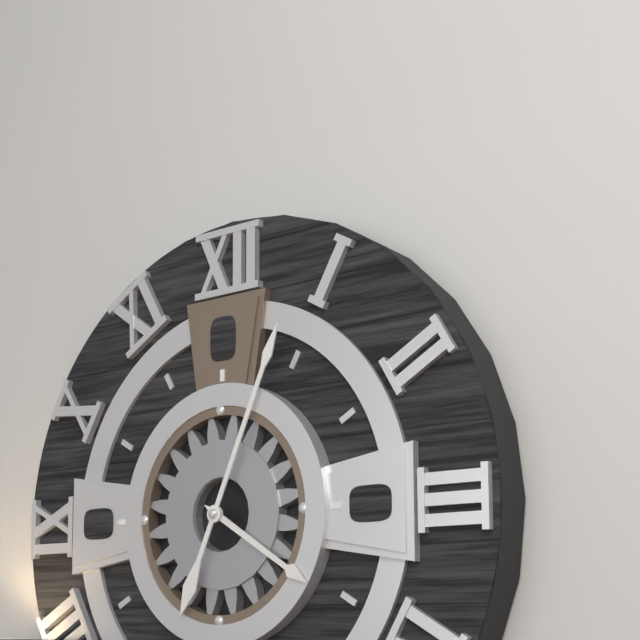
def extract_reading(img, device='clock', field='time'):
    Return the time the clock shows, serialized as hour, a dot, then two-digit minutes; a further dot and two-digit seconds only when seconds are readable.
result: 4.04
